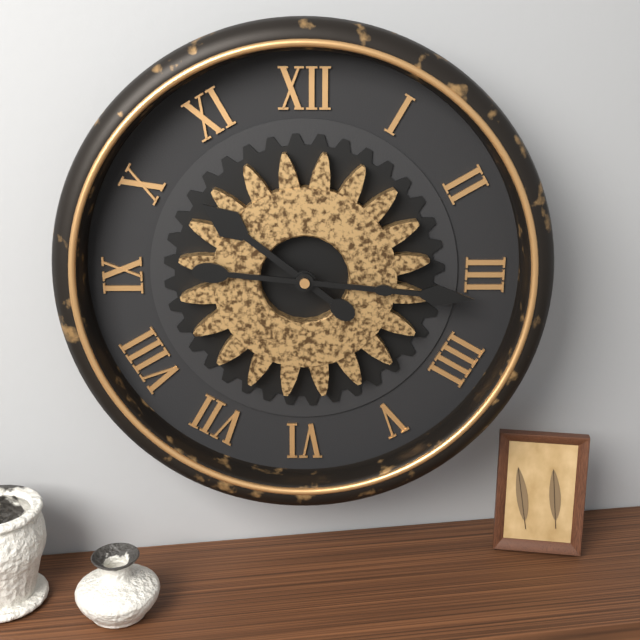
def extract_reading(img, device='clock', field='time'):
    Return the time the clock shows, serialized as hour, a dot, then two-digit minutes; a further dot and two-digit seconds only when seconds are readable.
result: 10.16
